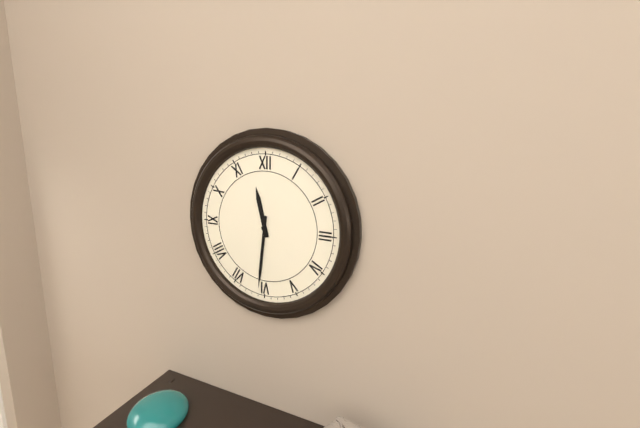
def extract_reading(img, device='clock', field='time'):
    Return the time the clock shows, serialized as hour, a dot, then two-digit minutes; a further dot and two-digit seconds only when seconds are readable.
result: 11.31
